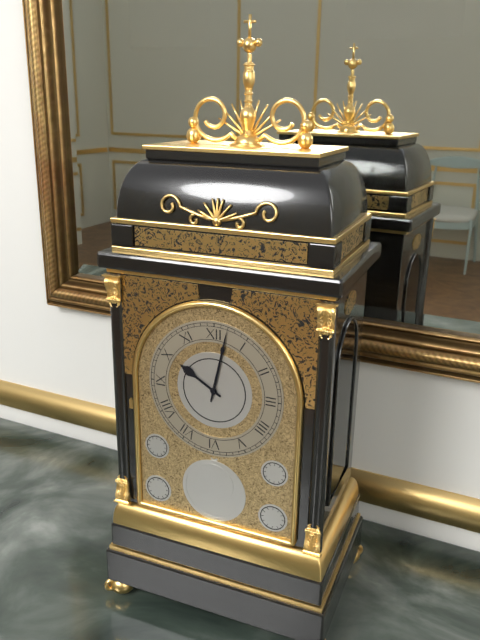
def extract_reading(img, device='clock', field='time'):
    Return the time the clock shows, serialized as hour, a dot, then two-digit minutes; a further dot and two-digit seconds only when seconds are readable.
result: 10.02
